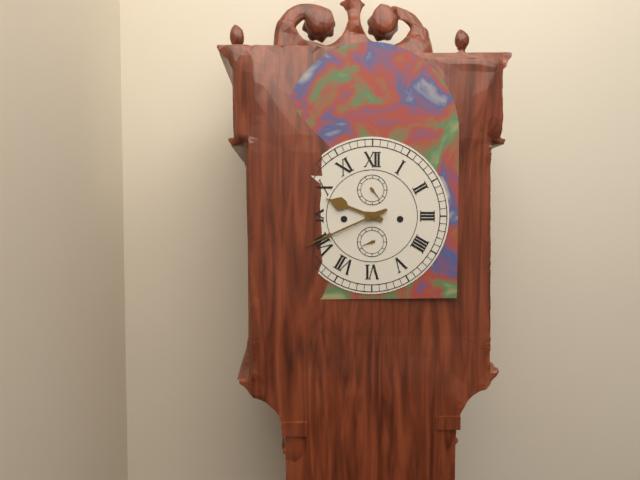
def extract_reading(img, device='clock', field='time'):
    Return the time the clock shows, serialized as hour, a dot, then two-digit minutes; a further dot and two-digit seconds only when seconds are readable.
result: 9.41
